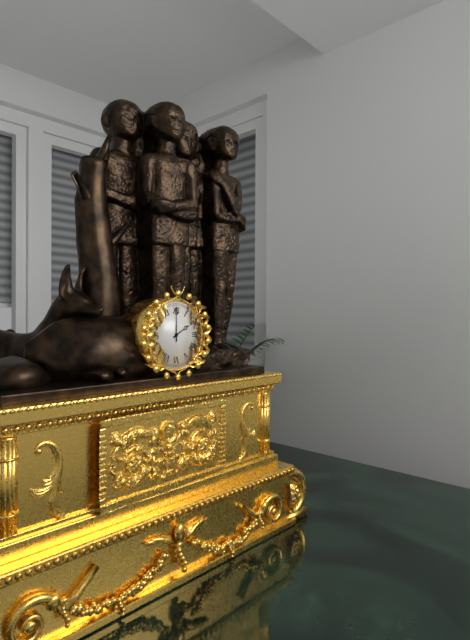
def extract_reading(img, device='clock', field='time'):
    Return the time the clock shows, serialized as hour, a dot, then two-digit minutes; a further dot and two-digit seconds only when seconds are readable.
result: 2.00
